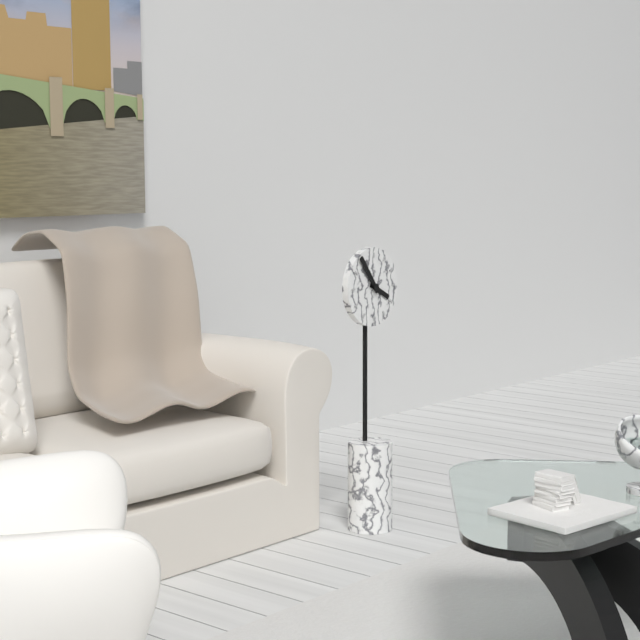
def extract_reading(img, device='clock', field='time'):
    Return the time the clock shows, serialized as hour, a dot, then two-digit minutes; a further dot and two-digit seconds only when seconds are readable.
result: 3.54
